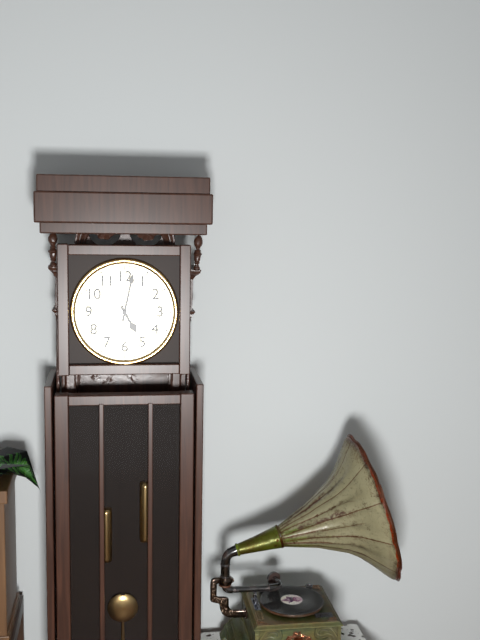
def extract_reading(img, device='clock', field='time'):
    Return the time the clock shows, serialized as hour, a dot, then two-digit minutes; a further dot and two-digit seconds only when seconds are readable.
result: 5.02
